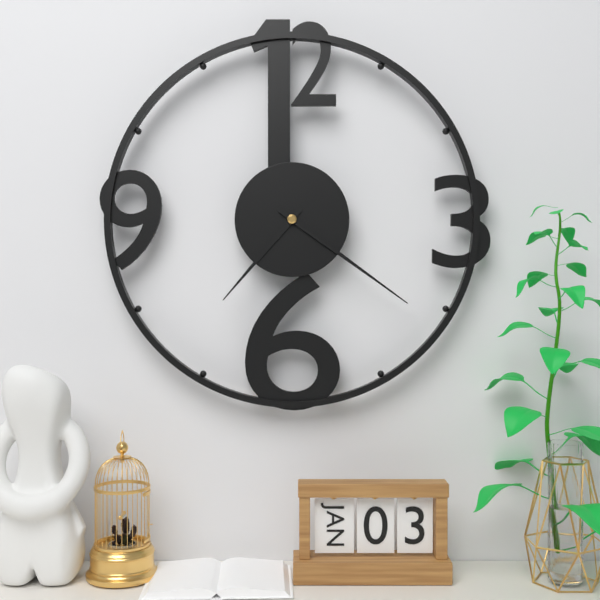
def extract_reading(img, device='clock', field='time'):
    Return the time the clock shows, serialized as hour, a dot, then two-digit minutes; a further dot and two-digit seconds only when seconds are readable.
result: 7.21
